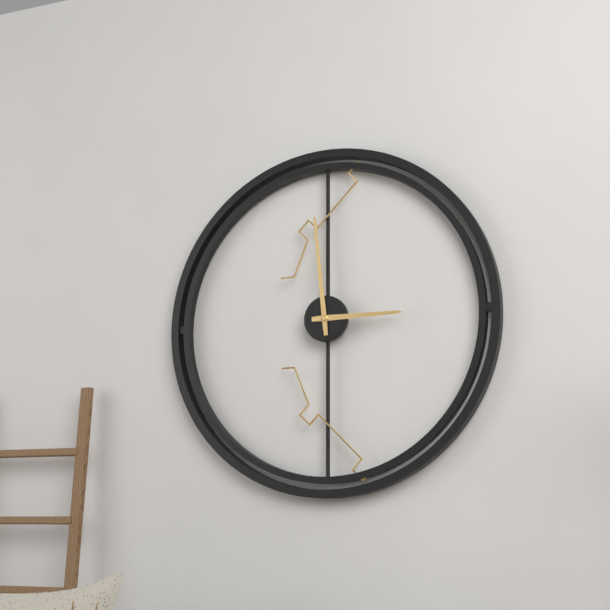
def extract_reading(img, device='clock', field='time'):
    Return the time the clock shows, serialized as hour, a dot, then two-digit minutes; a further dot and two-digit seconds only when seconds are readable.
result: 2.59
